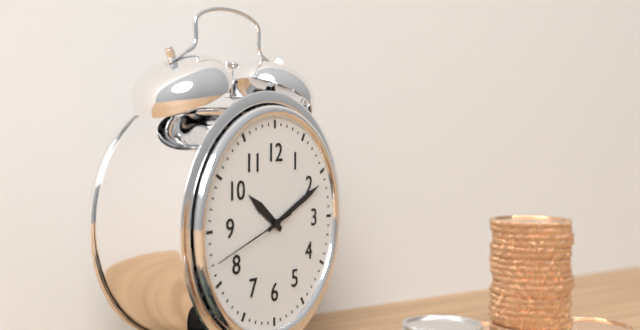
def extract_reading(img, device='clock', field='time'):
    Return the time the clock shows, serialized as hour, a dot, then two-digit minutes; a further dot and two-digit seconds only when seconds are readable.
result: 10.11.42
